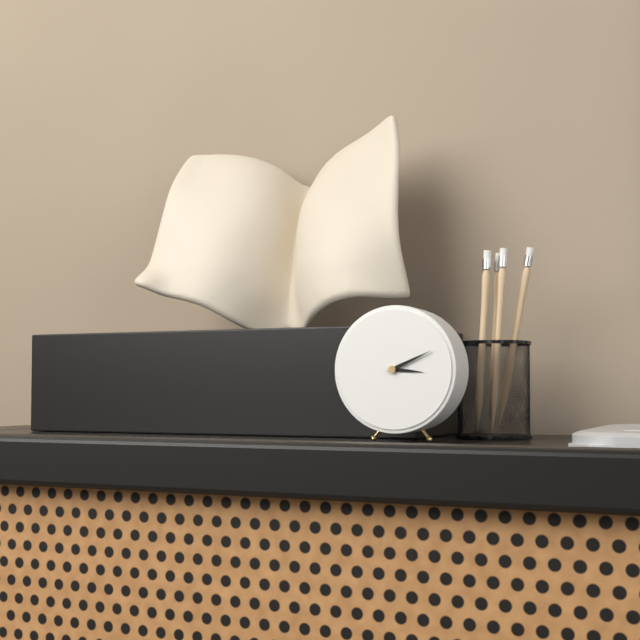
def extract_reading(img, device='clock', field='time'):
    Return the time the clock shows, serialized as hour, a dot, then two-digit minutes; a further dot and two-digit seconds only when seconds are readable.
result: 3.11
